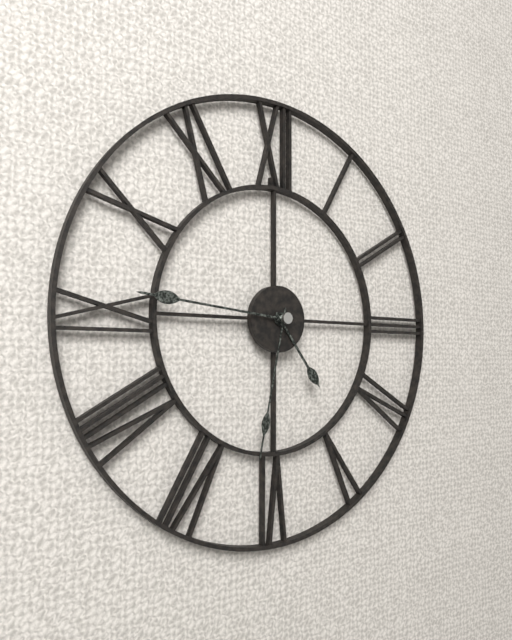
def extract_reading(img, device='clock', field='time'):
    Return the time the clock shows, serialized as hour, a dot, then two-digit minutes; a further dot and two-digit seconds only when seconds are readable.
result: 4.46.32
